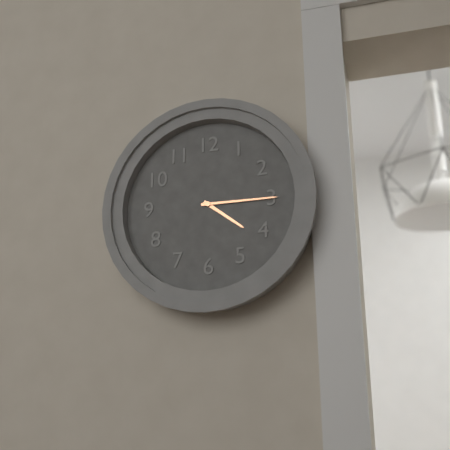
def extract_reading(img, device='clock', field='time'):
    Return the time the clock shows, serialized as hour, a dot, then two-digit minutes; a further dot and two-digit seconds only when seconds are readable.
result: 4.15
